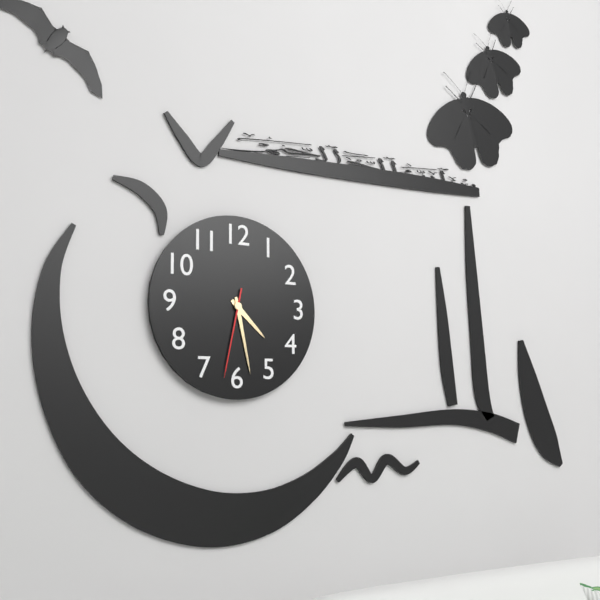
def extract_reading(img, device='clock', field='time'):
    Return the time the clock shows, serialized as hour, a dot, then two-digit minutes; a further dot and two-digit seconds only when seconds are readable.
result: 4.28.32
